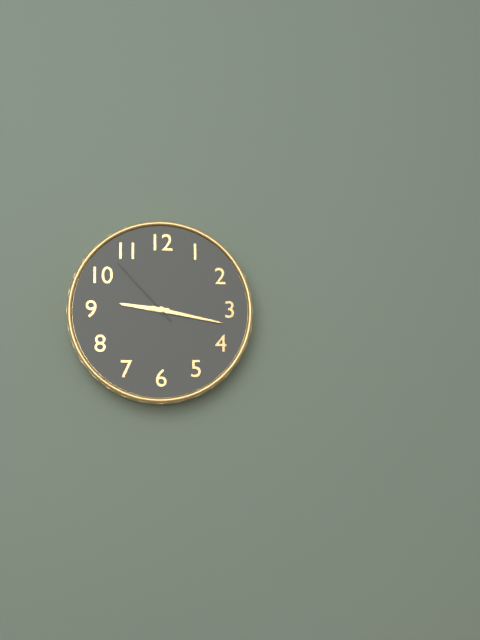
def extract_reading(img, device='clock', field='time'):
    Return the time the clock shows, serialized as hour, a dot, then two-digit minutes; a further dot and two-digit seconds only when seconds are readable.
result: 9.17.53
